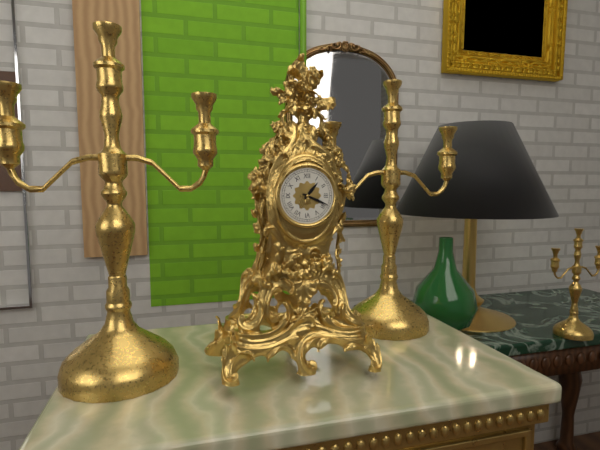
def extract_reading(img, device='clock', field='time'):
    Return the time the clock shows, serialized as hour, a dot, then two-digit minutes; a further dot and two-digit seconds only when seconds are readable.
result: 1.19
